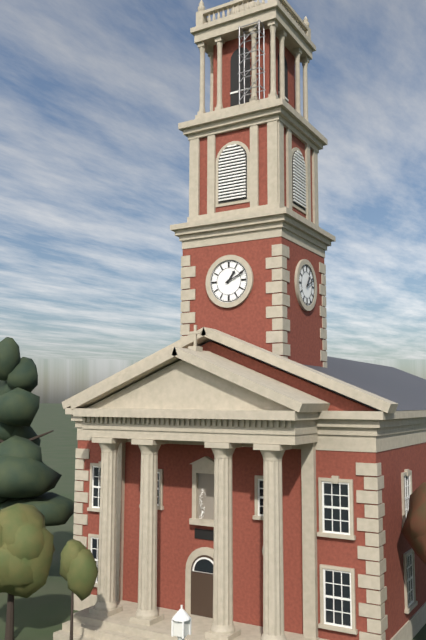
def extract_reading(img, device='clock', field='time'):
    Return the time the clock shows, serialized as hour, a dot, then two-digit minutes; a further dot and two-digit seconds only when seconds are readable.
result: 1.11
